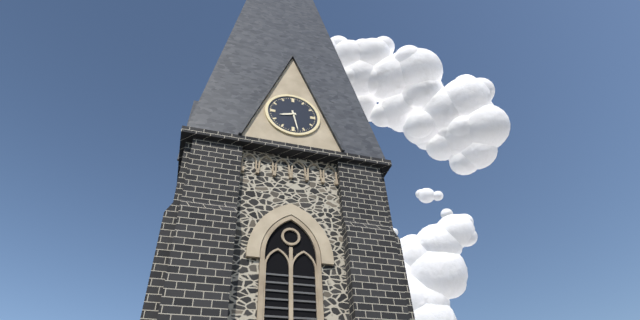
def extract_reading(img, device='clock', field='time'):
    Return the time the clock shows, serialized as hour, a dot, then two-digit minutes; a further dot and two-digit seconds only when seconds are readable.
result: 8.28
